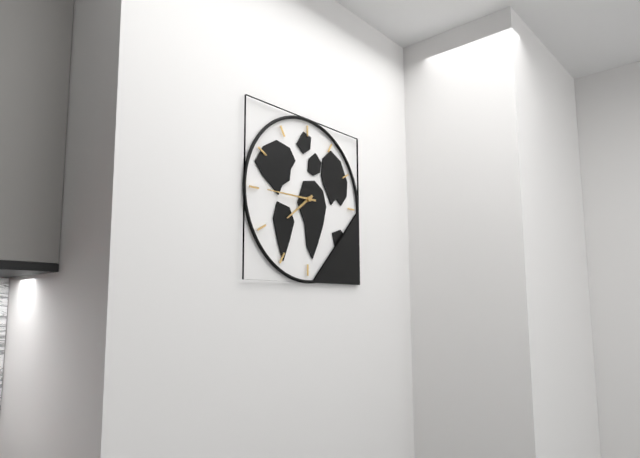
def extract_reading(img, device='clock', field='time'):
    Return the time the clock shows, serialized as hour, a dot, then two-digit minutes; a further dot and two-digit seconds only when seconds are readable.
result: 7.45
